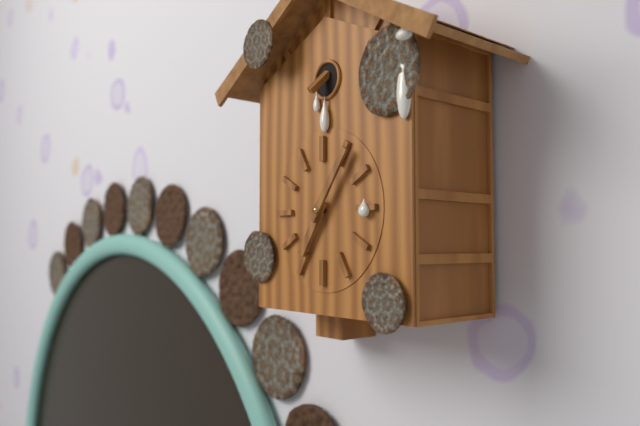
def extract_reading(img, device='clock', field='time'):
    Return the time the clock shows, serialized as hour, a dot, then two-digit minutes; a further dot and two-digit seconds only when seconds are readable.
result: 7.06
